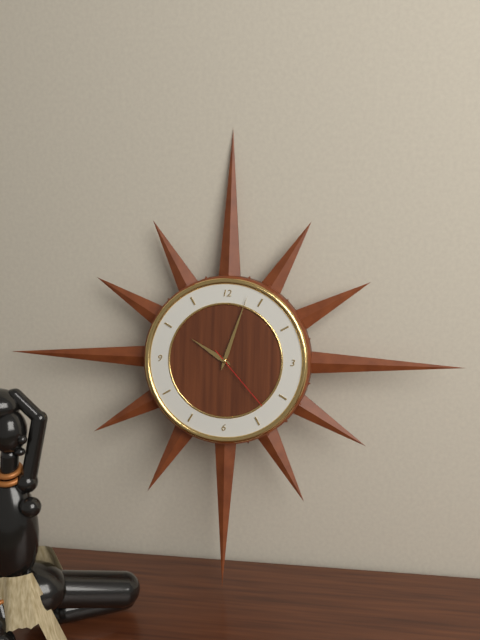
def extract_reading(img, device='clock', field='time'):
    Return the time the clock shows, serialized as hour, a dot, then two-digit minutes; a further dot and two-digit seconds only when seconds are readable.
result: 10.03.23
